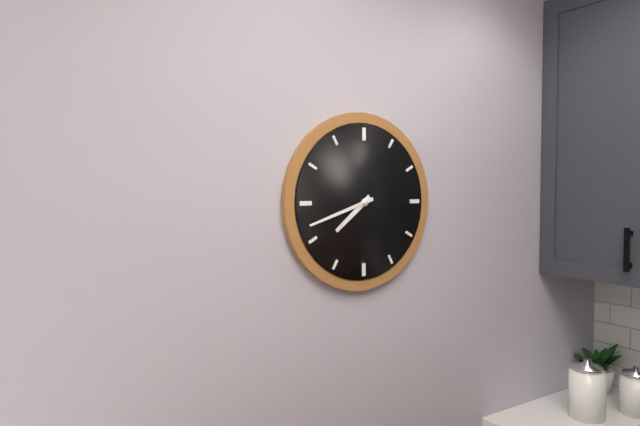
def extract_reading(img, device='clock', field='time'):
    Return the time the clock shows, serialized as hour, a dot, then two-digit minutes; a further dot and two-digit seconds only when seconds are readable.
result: 7.42
